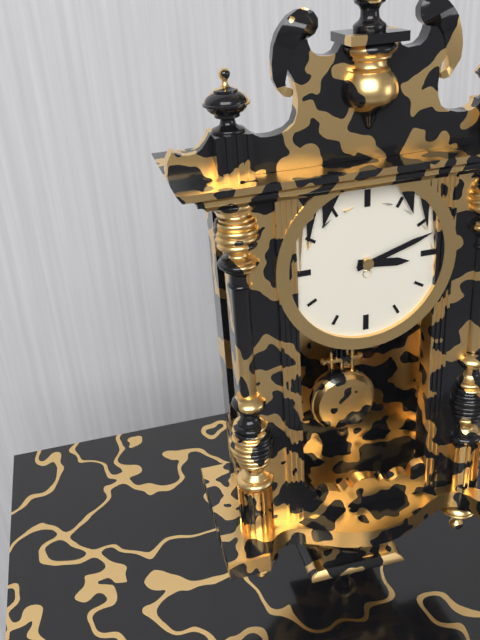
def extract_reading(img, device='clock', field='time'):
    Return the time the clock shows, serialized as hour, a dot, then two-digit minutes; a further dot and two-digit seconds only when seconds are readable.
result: 3.12
